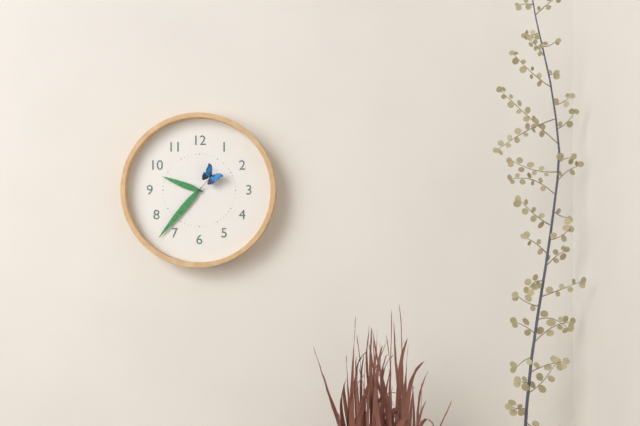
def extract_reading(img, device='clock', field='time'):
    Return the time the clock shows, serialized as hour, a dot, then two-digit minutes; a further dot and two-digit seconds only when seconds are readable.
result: 9.37
